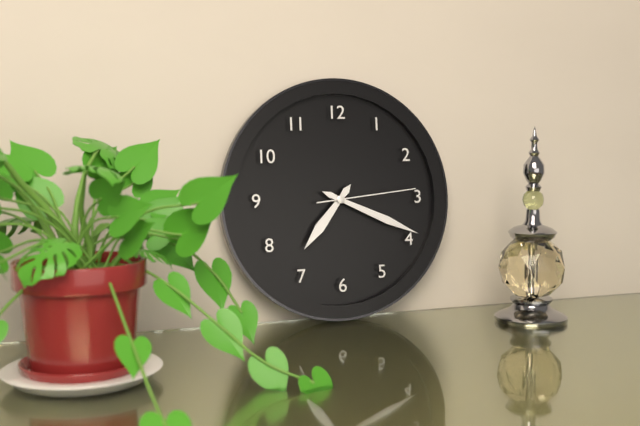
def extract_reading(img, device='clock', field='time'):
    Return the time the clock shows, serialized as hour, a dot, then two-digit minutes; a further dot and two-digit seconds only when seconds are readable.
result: 7.19.14
